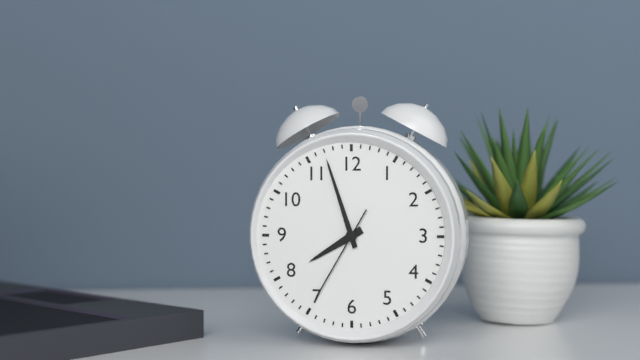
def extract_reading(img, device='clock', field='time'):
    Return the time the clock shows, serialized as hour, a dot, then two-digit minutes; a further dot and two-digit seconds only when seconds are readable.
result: 7.57.35
